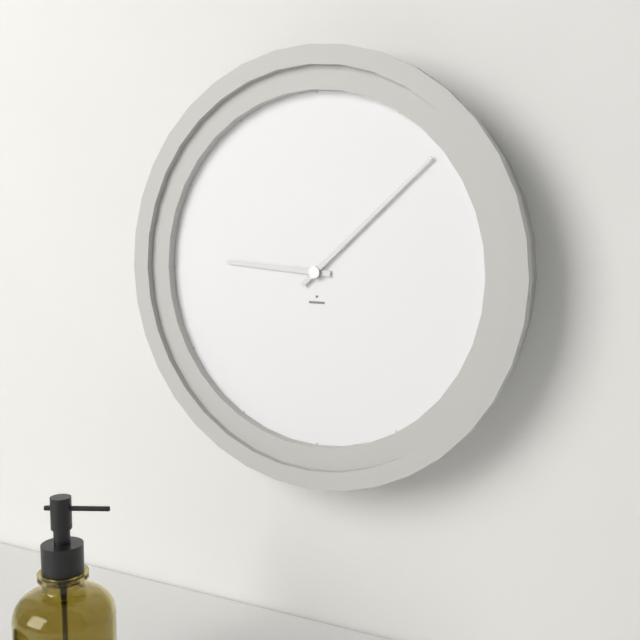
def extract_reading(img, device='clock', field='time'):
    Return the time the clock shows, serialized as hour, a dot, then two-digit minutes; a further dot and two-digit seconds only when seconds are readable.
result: 9.08
